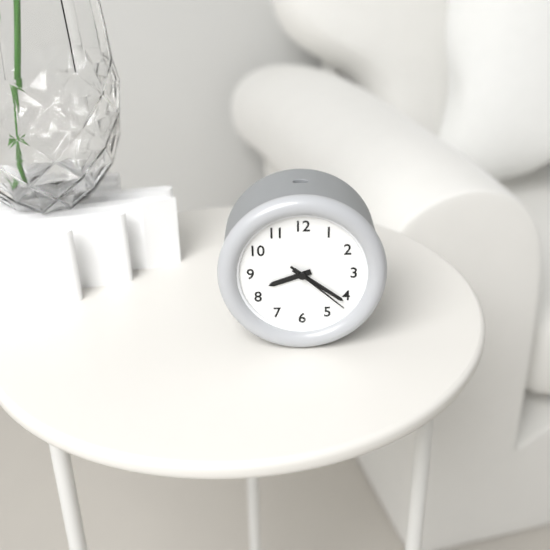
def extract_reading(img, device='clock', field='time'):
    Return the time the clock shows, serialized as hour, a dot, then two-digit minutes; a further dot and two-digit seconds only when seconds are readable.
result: 8.21.22
